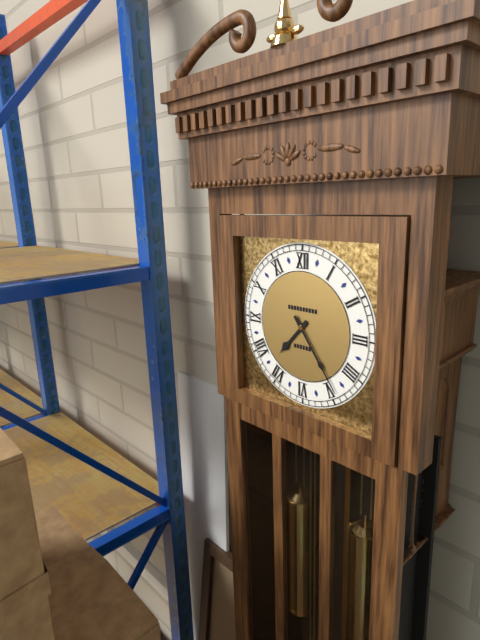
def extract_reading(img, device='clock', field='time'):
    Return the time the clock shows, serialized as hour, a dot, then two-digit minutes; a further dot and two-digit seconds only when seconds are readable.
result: 7.24
